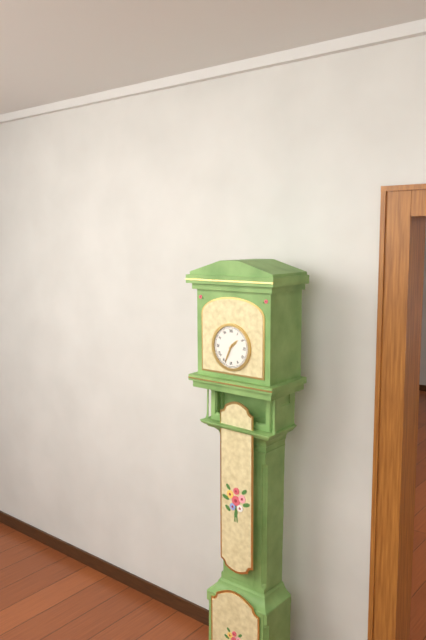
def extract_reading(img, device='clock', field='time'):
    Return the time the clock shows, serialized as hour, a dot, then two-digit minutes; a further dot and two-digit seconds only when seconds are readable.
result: 1.34
